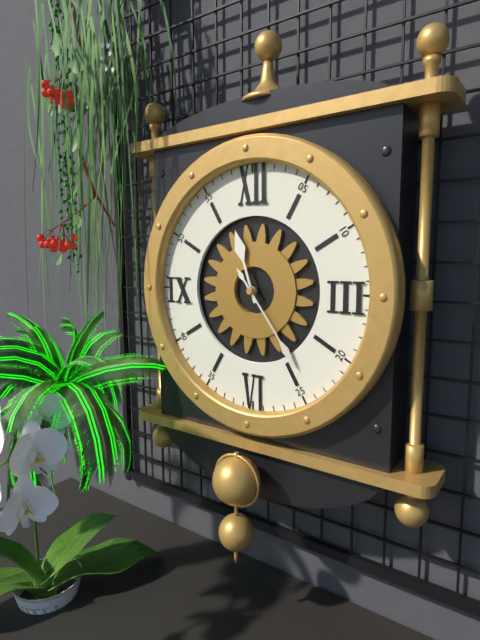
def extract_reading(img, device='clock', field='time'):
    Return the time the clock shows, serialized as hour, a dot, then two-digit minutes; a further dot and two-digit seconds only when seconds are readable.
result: 11.24
